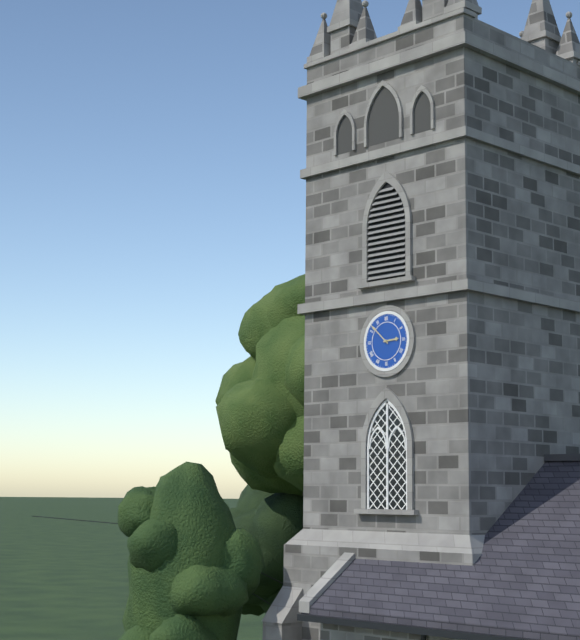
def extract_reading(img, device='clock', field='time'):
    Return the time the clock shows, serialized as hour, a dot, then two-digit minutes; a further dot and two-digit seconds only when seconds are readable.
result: 2.52
